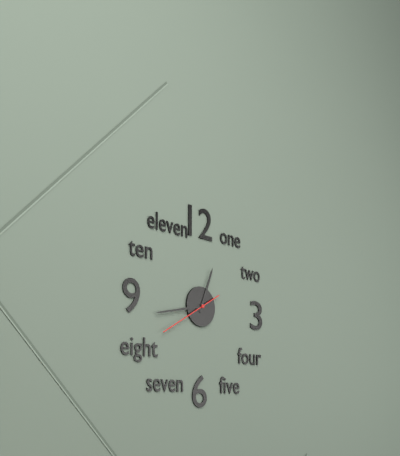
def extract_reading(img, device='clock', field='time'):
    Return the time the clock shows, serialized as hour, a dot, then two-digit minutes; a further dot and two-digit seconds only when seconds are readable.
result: 12.43.40
